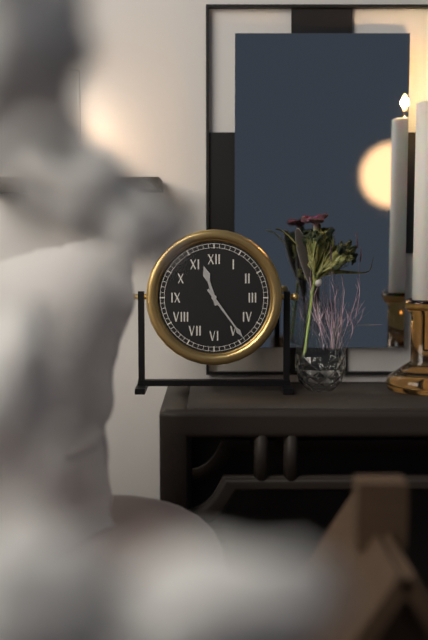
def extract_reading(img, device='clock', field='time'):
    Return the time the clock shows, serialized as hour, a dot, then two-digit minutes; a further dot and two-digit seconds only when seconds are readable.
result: 11.24
